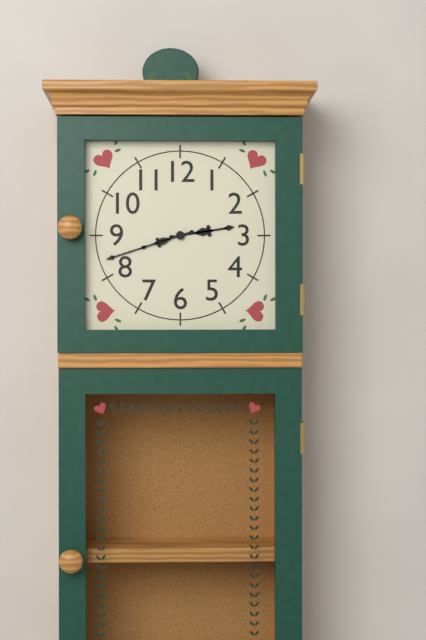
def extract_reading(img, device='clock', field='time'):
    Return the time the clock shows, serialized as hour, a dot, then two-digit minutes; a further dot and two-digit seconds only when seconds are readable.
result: 2.42
